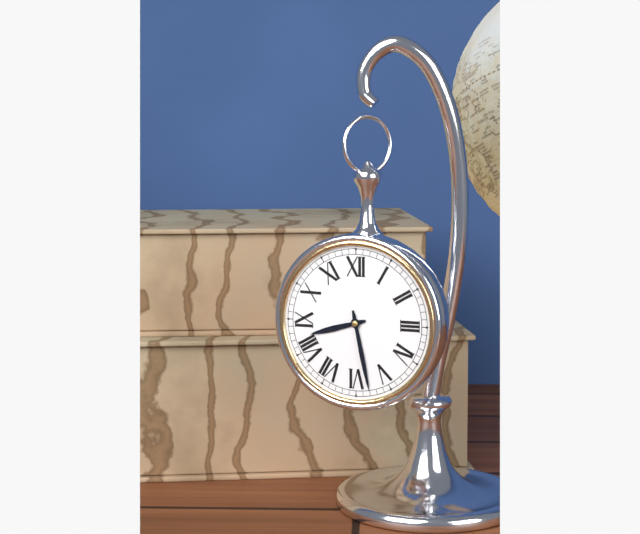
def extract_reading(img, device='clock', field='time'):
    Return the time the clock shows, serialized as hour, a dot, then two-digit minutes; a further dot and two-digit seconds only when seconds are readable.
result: 8.28
